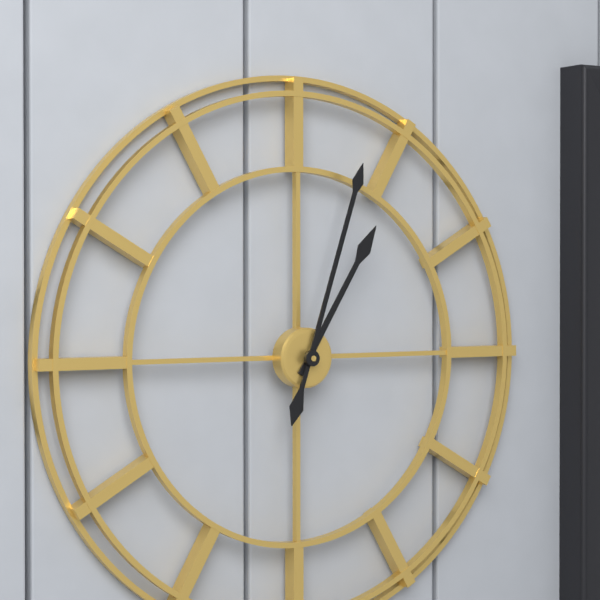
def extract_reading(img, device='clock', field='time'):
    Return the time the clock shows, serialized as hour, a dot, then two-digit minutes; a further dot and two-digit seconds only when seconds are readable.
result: 1.03
